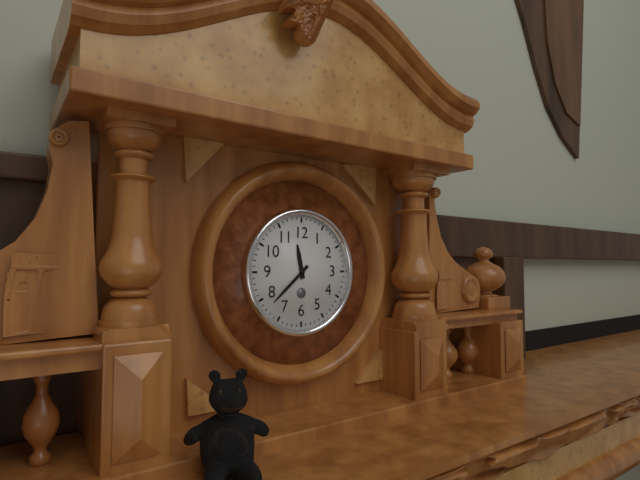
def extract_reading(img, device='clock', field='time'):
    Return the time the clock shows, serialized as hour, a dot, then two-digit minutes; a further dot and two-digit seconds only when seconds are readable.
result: 11.38
